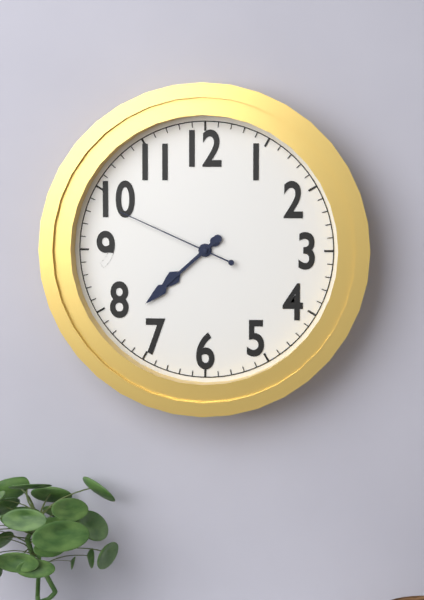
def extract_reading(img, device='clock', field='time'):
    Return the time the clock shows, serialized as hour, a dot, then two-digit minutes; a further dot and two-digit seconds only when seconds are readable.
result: 7.38.49
